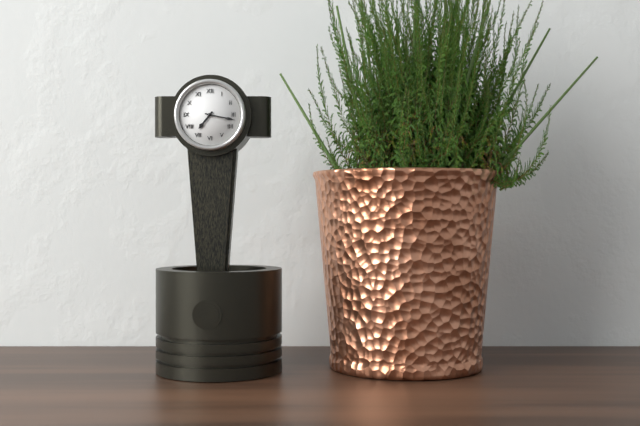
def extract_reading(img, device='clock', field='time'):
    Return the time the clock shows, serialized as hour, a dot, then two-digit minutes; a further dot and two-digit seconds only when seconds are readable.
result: 7.17
